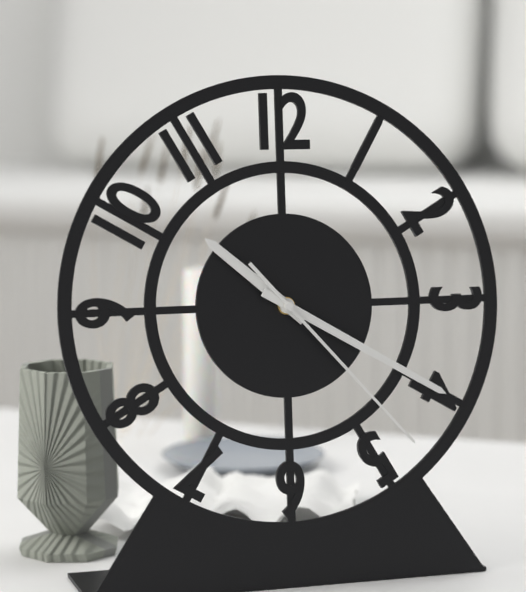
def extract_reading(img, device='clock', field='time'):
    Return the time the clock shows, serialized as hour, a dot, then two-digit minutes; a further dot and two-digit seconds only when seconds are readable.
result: 10.20.23
